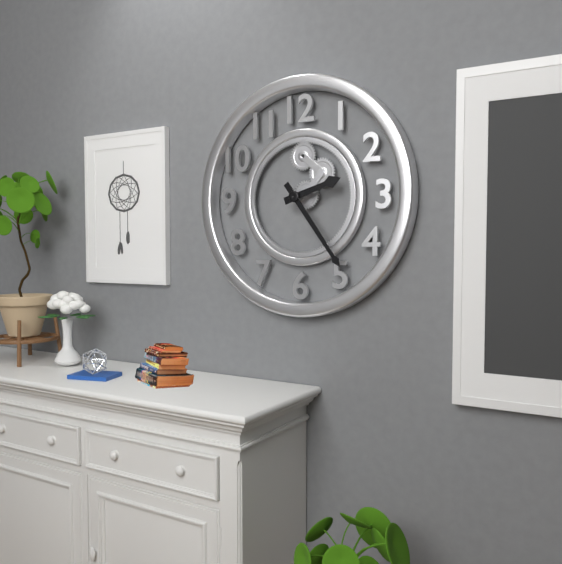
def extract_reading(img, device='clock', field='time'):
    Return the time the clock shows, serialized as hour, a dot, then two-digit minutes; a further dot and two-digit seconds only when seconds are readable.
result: 2.24
